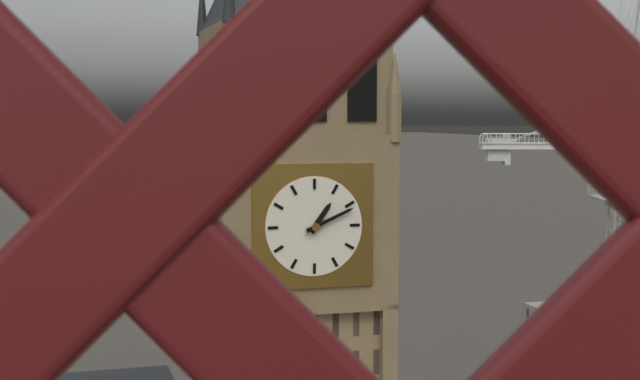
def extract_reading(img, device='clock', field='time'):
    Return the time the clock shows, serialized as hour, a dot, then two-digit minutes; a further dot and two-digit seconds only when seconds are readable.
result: 1.11
